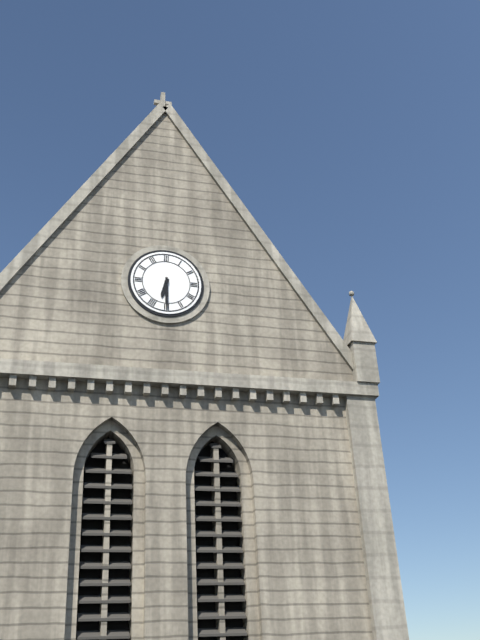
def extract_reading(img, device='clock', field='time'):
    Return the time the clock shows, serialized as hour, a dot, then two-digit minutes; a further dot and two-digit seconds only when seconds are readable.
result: 6.30
